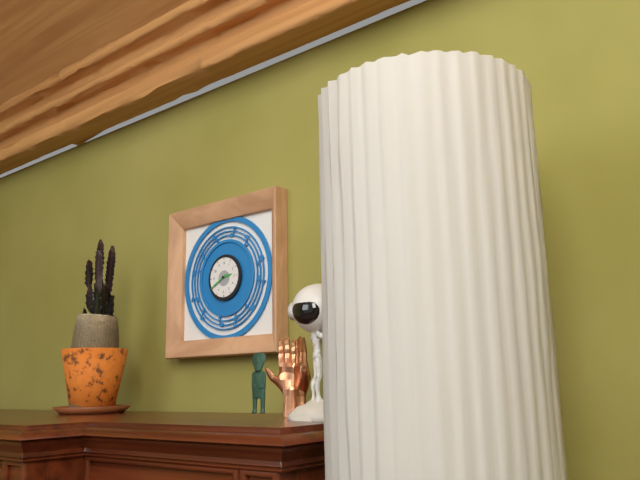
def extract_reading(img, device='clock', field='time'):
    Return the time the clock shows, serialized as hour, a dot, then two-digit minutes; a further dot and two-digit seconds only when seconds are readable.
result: 2.40
